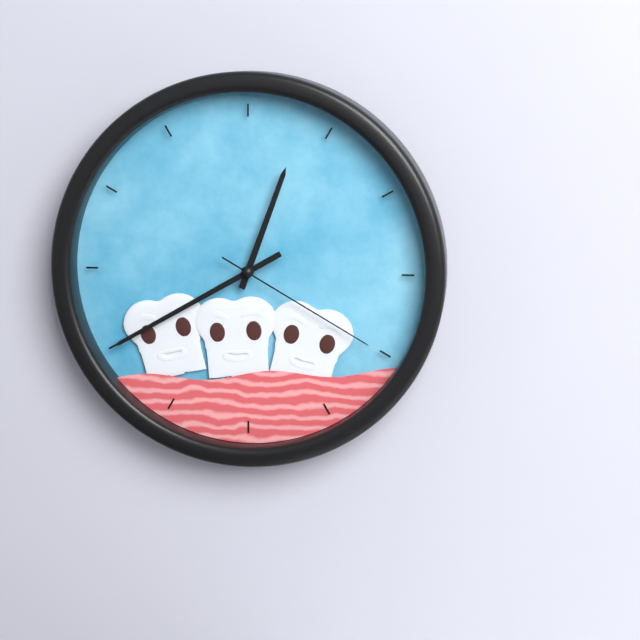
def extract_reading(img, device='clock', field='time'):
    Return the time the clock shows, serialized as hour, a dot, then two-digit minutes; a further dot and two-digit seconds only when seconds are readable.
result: 12.40.20
